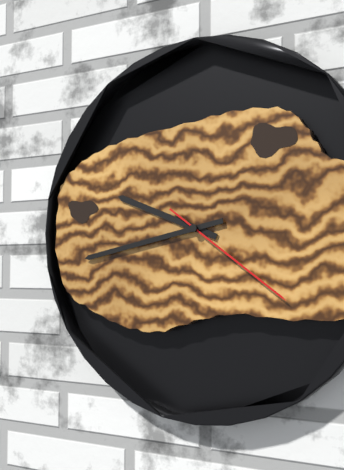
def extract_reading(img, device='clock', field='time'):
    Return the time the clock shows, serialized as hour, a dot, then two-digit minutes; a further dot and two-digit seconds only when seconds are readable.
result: 9.43.21
